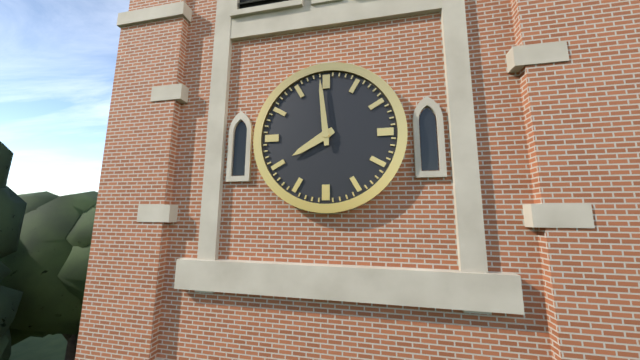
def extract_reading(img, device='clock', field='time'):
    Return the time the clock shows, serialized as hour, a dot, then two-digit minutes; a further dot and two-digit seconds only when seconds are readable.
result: 7.59
